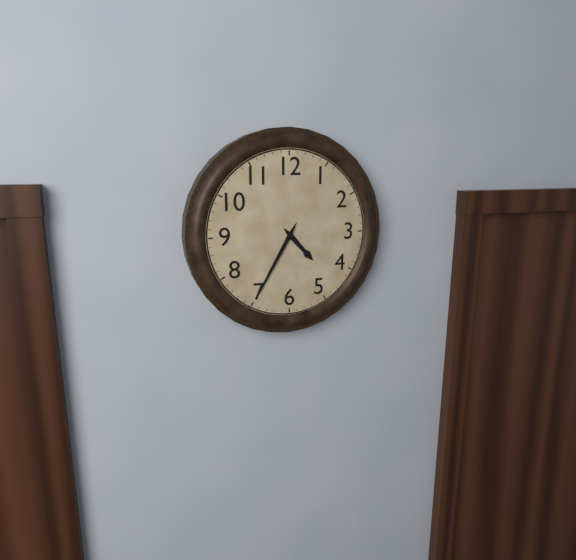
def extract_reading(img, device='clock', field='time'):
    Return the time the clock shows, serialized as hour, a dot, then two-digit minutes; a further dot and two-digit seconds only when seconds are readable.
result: 4.35
